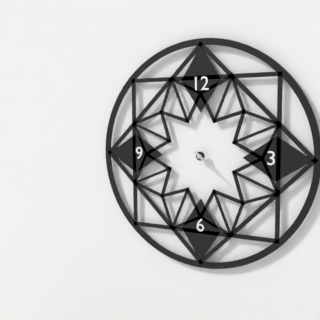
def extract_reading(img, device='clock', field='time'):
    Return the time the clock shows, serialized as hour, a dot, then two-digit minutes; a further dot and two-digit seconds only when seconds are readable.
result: 4.22
